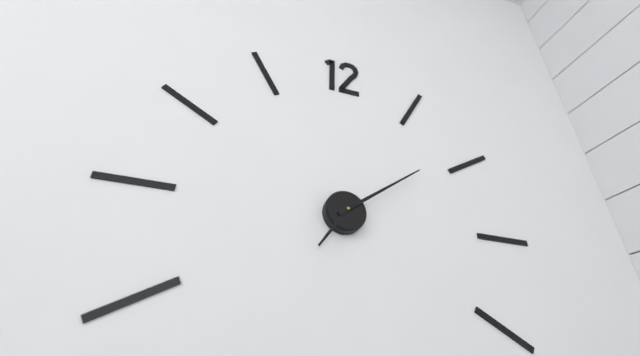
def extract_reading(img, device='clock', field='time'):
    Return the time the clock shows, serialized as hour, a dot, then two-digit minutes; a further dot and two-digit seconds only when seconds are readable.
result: 7.09
